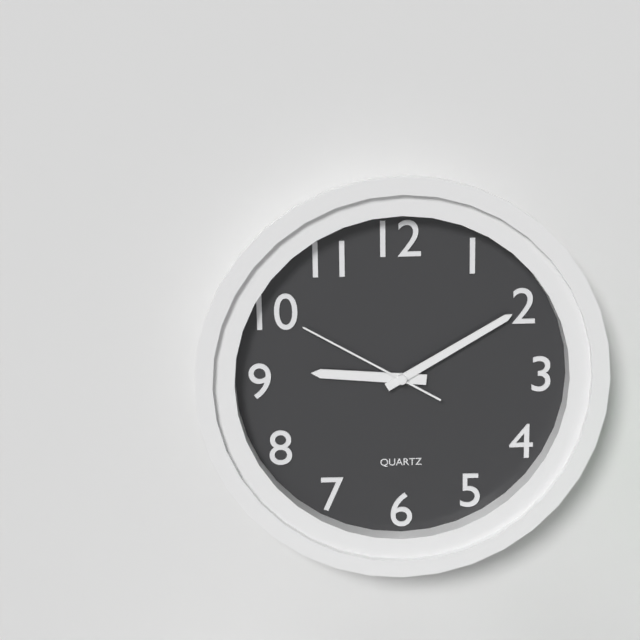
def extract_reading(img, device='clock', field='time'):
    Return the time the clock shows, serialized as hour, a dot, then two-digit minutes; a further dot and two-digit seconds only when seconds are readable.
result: 9.10.50
